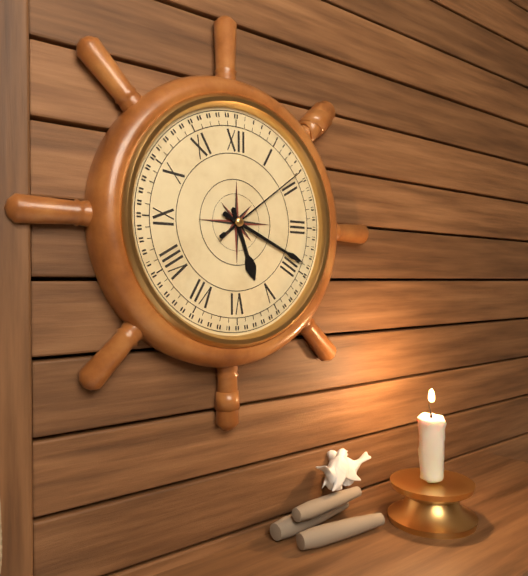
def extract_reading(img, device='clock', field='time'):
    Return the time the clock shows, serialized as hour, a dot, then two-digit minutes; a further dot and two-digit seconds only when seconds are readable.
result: 5.19.09
